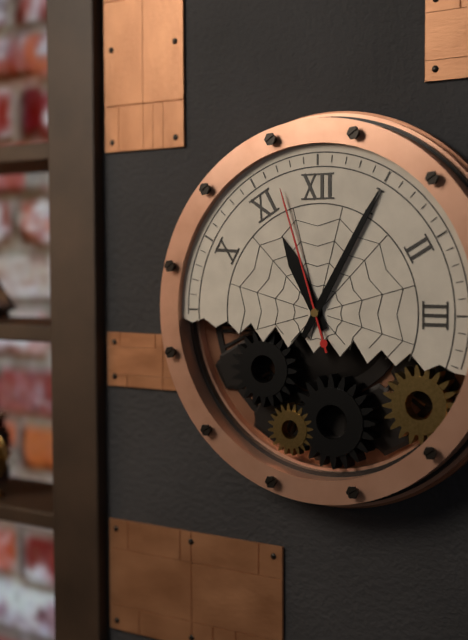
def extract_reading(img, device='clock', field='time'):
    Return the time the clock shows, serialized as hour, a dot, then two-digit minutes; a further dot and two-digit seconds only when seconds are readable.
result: 11.05.57
